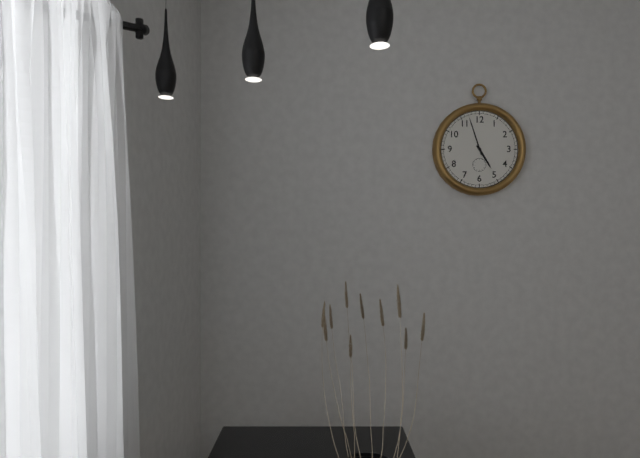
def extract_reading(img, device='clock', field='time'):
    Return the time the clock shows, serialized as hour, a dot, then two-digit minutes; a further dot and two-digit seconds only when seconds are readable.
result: 4.57
